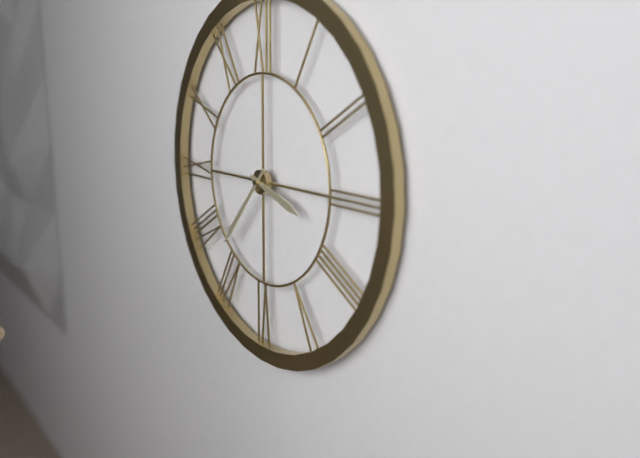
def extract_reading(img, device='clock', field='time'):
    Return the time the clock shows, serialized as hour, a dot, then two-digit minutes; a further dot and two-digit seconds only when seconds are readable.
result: 3.37
